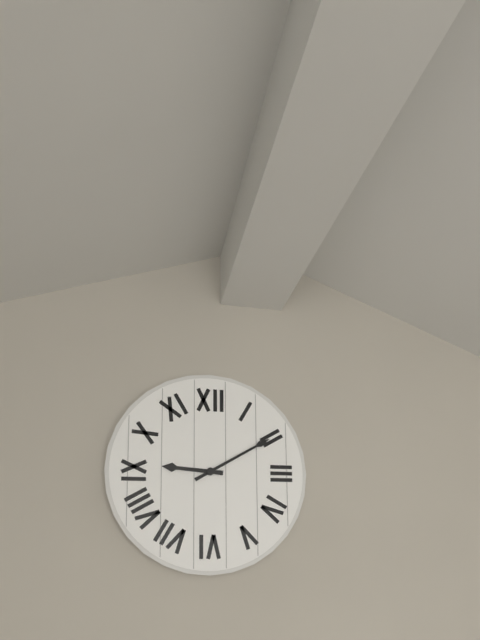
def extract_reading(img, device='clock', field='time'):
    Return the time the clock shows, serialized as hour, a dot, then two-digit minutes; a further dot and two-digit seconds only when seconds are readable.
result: 9.10
